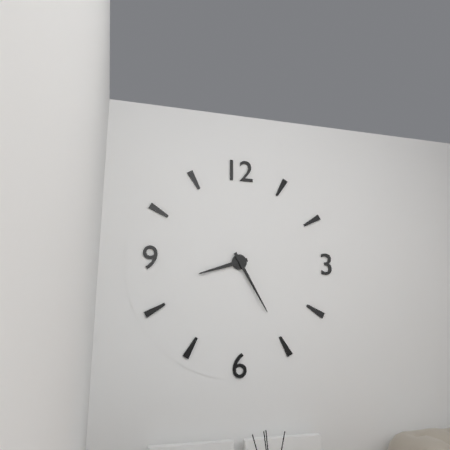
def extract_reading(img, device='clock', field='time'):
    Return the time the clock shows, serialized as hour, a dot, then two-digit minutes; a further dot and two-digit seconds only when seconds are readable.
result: 8.25
